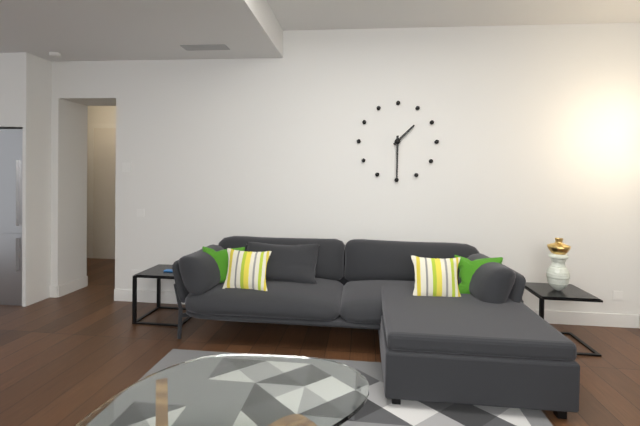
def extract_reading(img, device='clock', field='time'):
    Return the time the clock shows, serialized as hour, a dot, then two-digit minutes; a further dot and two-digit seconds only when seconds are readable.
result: 1.30
